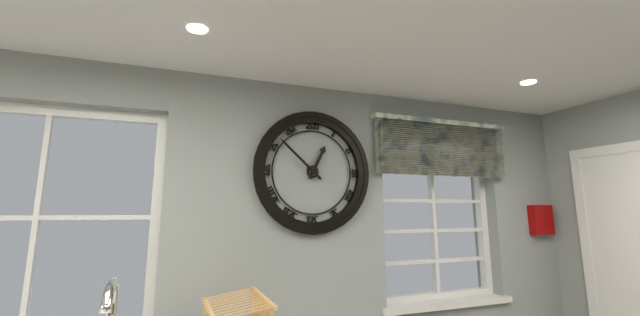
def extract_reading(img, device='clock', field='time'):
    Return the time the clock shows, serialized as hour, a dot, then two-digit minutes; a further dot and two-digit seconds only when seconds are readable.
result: 12.52
